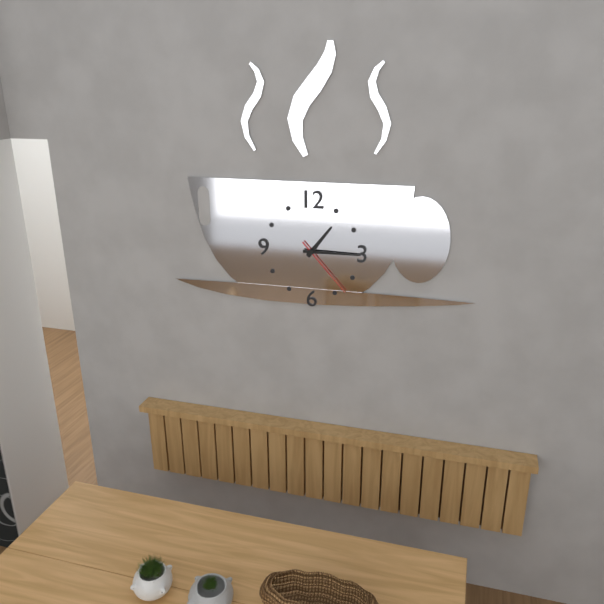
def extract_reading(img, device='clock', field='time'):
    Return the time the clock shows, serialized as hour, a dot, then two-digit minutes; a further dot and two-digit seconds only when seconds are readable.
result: 1.15.23
